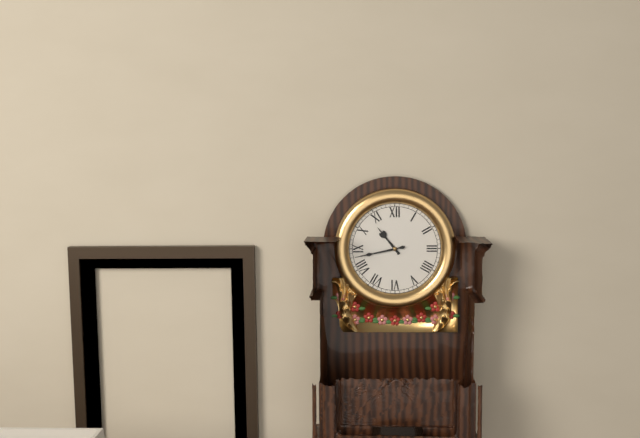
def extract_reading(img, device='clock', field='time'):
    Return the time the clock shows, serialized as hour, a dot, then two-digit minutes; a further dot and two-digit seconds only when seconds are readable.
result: 10.43
